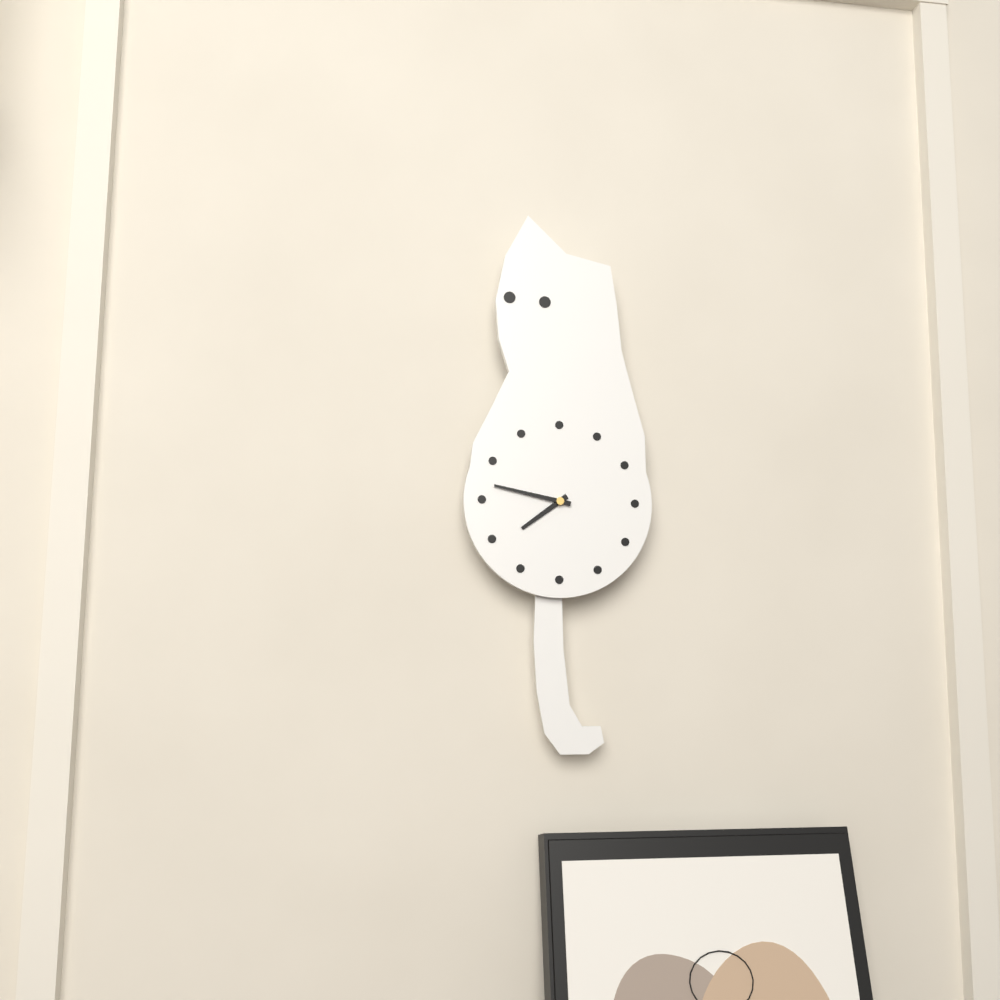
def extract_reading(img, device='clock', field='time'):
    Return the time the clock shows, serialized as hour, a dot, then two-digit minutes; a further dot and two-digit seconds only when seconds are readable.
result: 7.47
